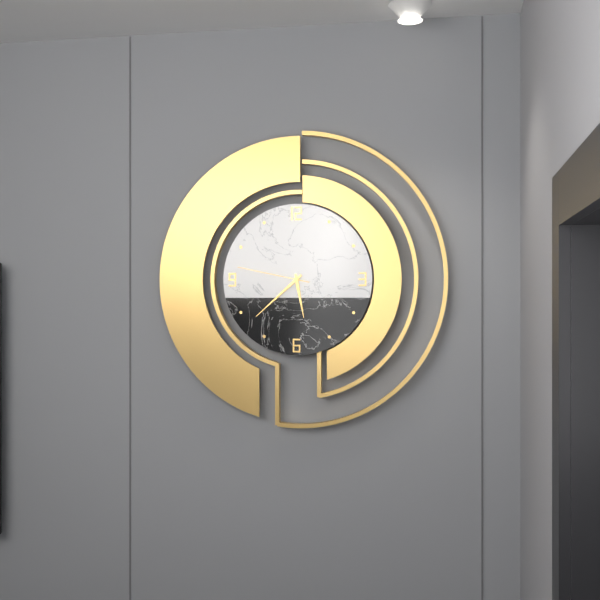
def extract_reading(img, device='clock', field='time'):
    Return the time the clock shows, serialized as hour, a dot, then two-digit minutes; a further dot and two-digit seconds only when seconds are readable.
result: 5.38.47
